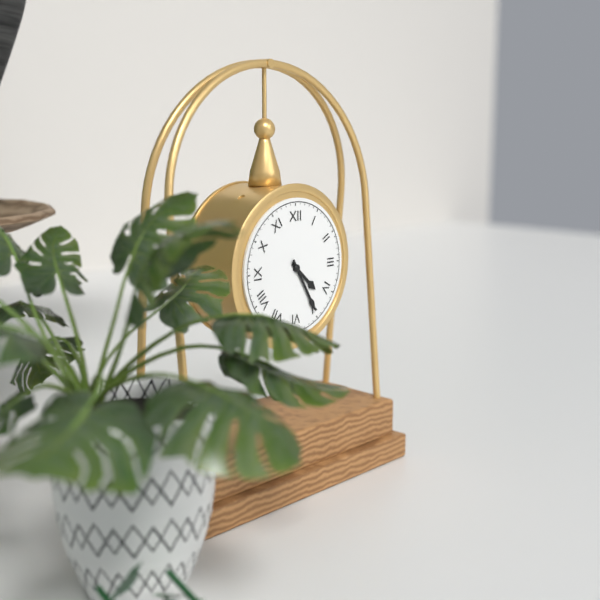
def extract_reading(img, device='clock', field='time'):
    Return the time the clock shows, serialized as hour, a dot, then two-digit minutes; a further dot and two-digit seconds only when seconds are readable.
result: 4.25
